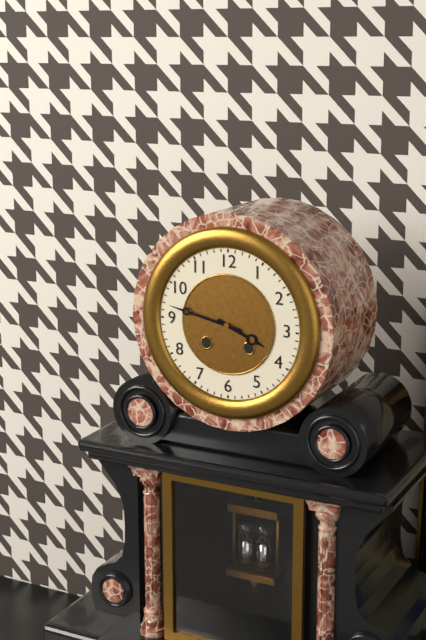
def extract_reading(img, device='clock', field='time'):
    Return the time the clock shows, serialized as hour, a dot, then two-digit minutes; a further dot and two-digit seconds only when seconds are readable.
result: 3.47
